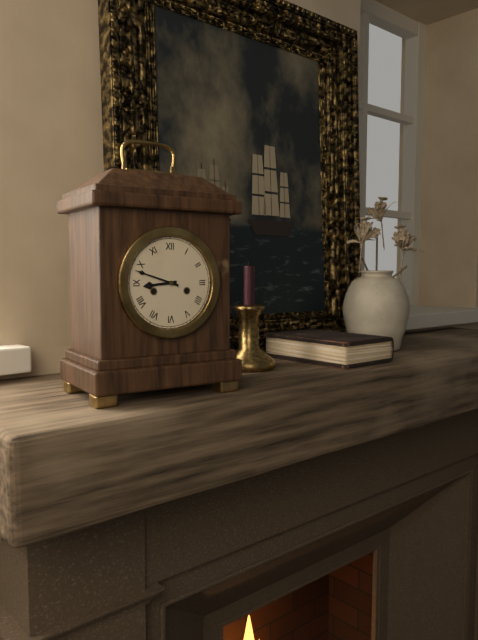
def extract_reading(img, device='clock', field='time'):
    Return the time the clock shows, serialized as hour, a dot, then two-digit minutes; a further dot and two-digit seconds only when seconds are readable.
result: 8.48
